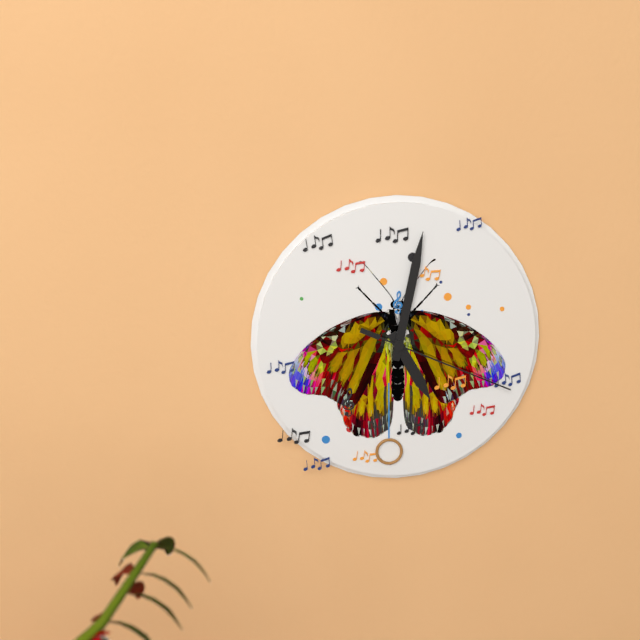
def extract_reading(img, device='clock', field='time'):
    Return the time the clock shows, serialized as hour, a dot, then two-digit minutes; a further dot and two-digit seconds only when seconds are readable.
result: 5.02.19
